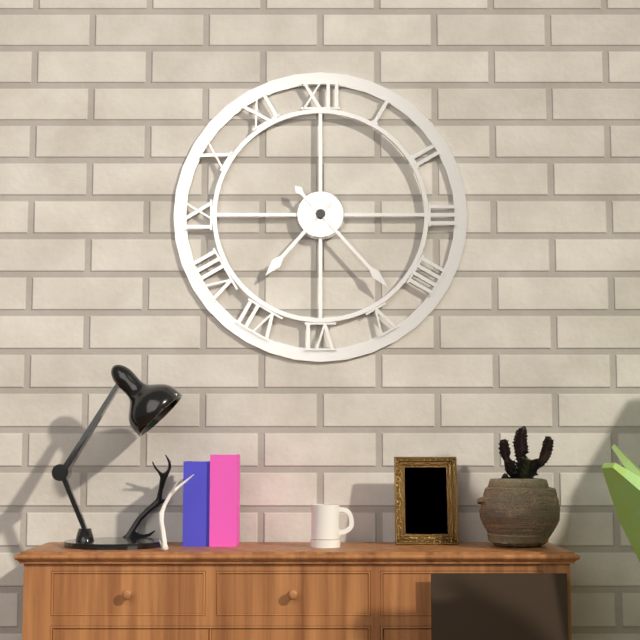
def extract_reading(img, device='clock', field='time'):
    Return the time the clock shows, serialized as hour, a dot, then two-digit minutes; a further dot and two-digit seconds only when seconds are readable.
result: 7.23
